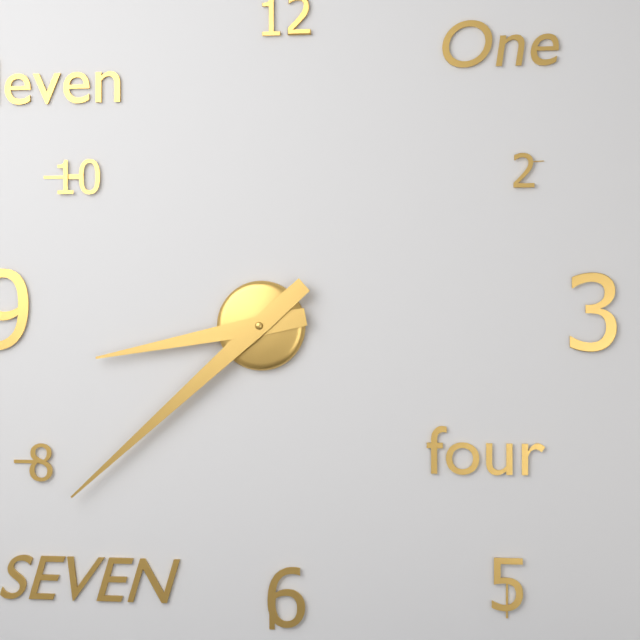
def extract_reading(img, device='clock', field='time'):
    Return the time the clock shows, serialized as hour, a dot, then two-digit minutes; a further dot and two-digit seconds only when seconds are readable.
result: 8.38
